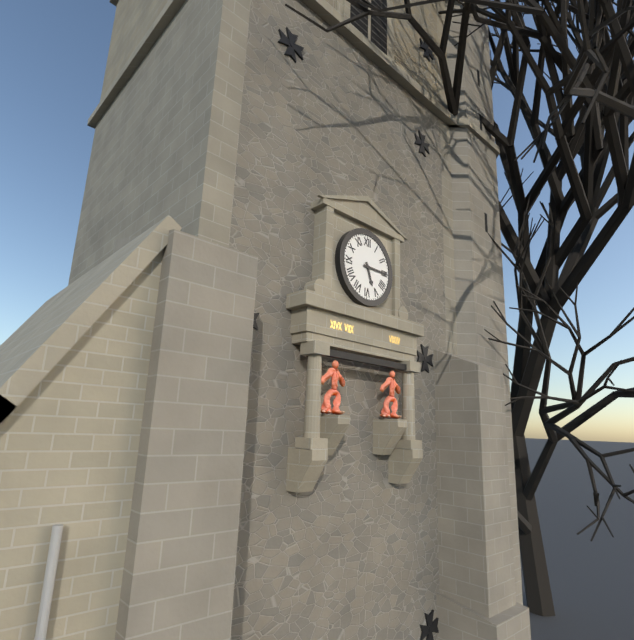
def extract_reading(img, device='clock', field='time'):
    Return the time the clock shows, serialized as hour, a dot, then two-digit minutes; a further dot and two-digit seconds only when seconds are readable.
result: 5.15
